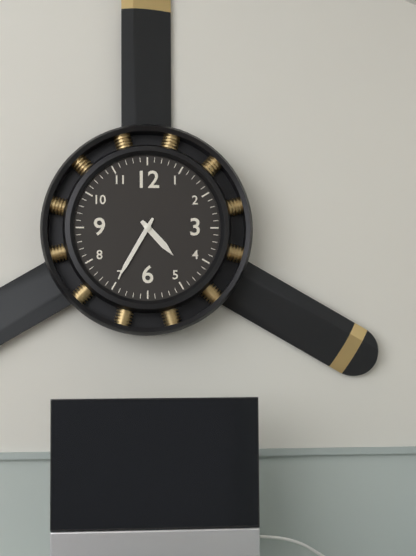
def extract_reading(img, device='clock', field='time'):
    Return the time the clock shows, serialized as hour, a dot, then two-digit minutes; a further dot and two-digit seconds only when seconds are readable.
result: 4.35
